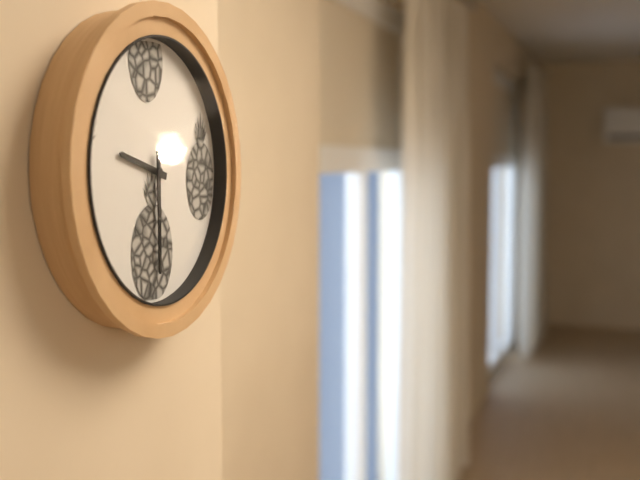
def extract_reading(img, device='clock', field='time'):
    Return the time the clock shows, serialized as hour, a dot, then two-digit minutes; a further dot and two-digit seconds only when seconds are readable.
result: 9.30
